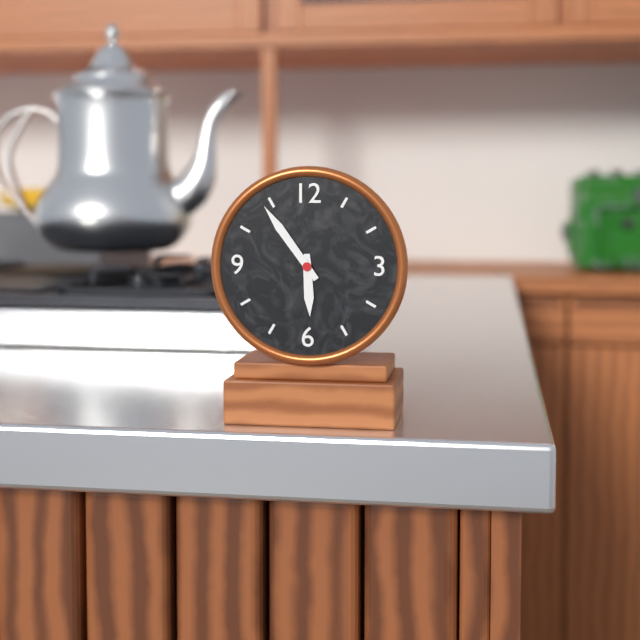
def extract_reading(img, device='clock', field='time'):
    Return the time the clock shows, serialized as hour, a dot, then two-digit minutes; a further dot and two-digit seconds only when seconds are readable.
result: 5.54
